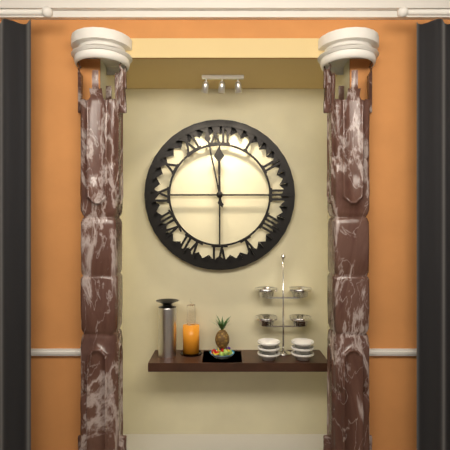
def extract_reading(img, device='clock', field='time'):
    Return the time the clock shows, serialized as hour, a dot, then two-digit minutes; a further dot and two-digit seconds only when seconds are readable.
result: 11.58
